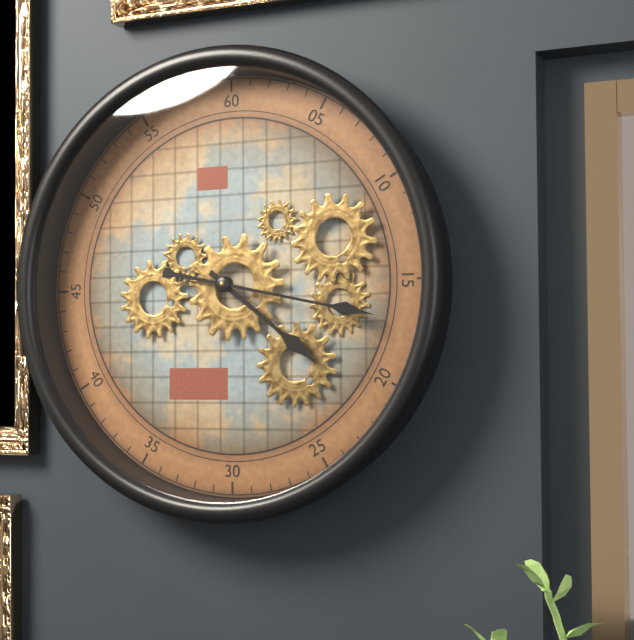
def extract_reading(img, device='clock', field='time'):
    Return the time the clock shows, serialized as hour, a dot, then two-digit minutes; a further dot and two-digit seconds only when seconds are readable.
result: 4.17
